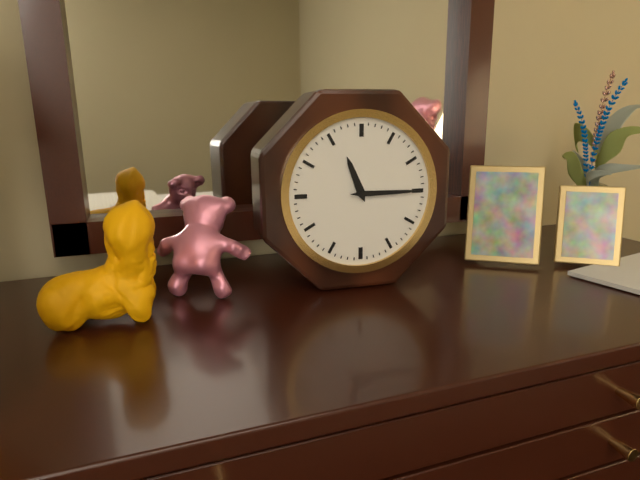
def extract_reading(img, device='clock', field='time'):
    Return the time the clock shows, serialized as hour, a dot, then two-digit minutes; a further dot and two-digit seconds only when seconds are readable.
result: 11.15
